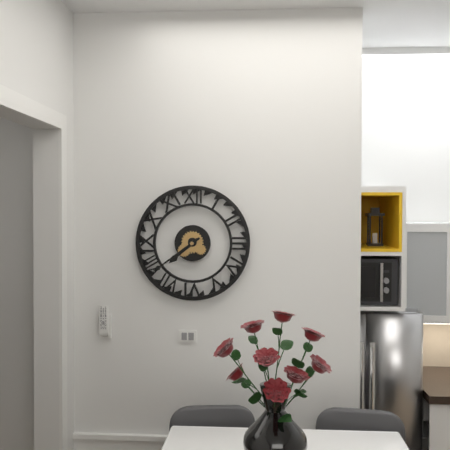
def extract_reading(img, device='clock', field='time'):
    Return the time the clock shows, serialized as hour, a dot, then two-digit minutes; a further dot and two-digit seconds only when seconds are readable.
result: 7.39
